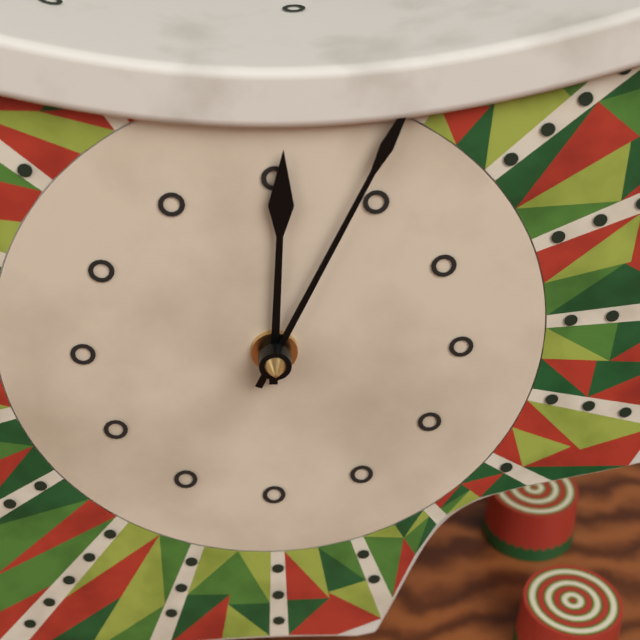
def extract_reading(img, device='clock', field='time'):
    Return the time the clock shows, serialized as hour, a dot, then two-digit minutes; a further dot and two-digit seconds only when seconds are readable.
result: 12.04
